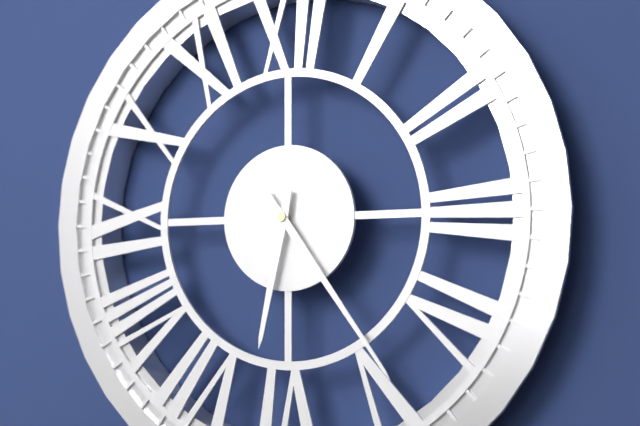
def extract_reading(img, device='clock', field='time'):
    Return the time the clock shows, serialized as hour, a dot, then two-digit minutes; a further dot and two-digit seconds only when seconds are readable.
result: 6.24
